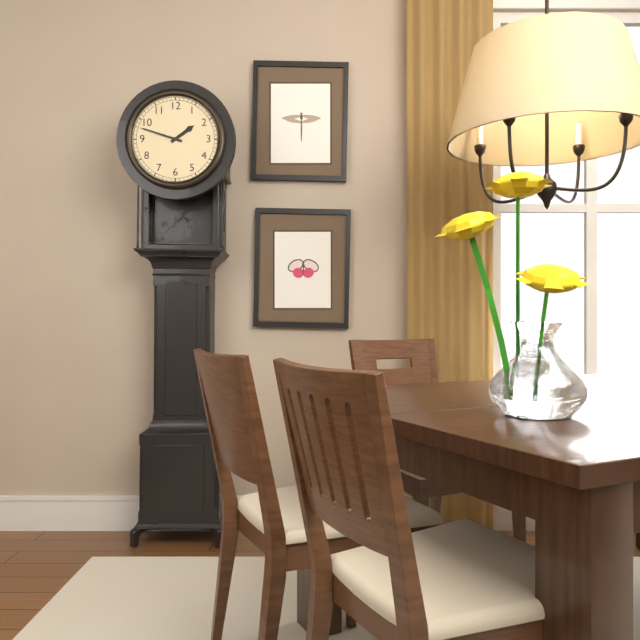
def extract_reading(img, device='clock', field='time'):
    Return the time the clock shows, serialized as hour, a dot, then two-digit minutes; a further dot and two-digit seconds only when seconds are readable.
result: 1.48
